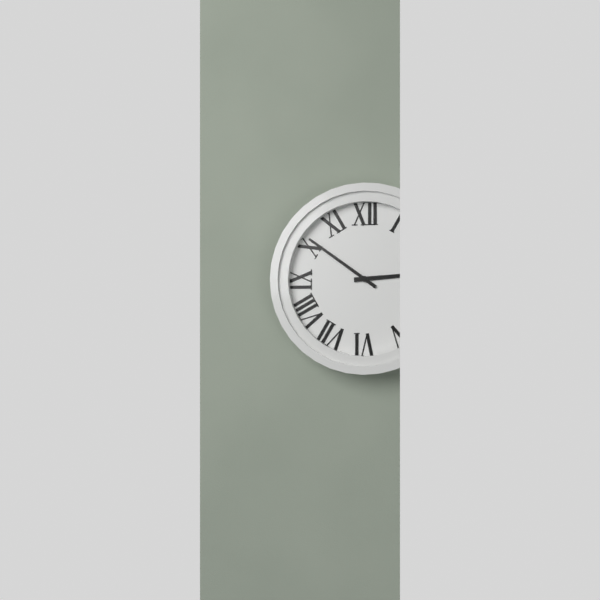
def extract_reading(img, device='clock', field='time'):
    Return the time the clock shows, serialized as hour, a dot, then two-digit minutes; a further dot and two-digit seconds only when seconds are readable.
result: 2.51
